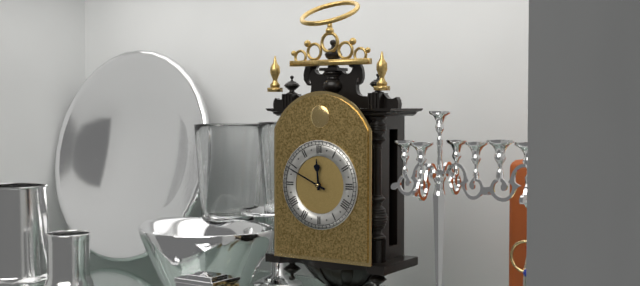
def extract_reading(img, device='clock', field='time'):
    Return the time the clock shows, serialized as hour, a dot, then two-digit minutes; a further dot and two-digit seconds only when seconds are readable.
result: 11.49
